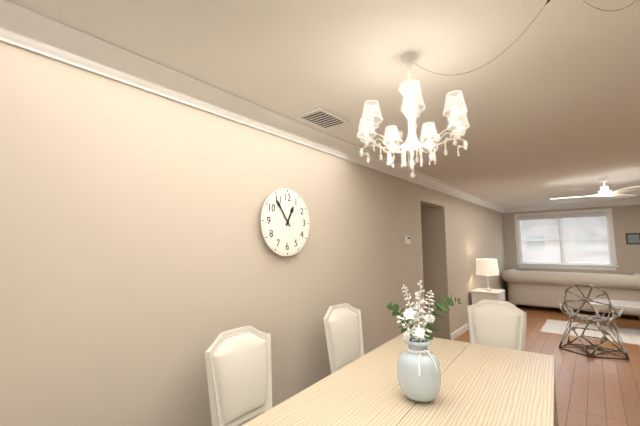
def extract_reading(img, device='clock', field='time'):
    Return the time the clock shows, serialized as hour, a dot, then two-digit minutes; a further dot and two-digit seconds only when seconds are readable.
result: 12.54
